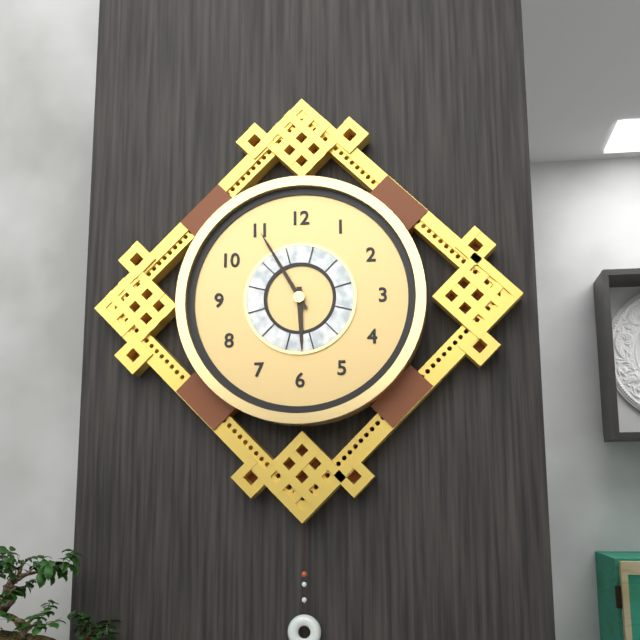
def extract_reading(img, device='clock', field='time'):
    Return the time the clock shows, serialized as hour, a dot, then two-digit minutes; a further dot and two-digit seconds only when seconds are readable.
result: 5.55
